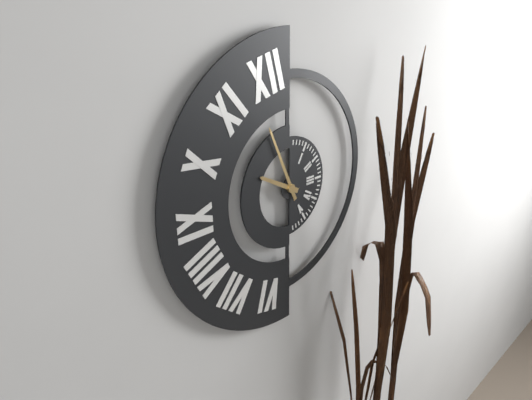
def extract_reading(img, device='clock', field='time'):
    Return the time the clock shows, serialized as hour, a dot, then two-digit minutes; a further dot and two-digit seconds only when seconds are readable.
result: 9.56
